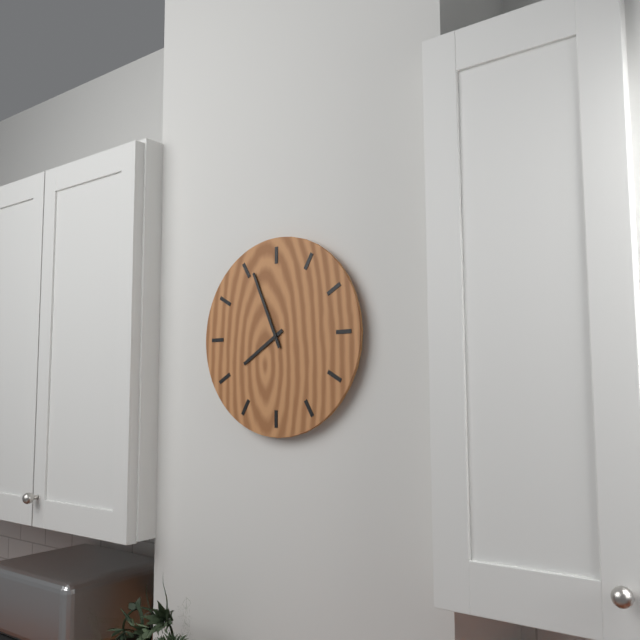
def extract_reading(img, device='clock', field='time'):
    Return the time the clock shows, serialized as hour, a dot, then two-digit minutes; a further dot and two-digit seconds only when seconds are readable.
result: 7.56
